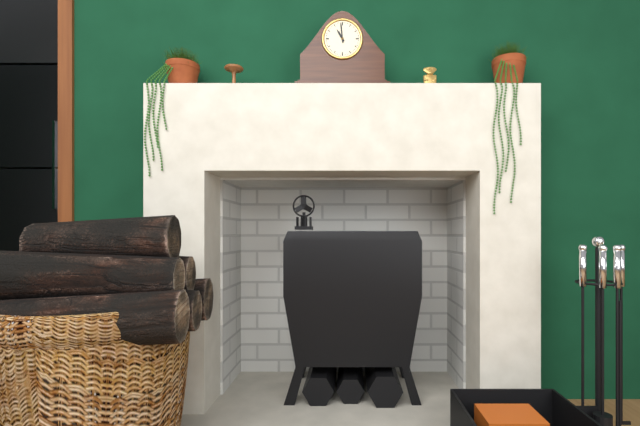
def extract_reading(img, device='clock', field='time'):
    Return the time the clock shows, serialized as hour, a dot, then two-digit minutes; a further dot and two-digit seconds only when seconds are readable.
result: 10.59
